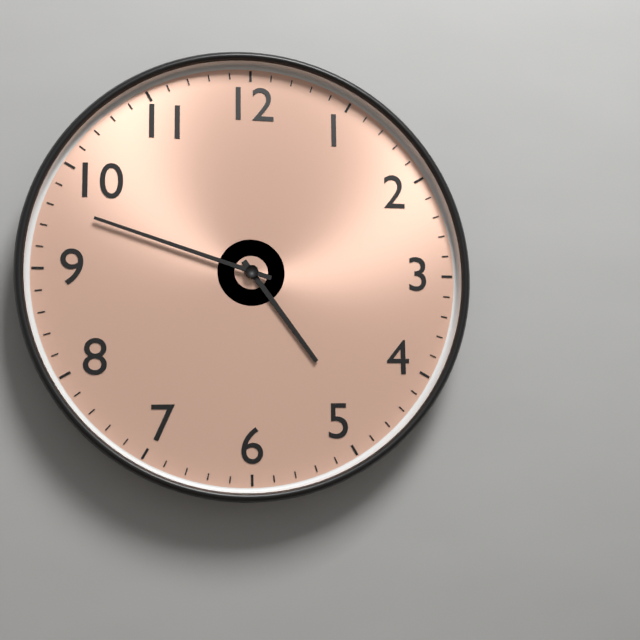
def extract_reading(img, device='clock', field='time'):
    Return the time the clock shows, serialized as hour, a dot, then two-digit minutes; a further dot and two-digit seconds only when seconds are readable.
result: 4.48
